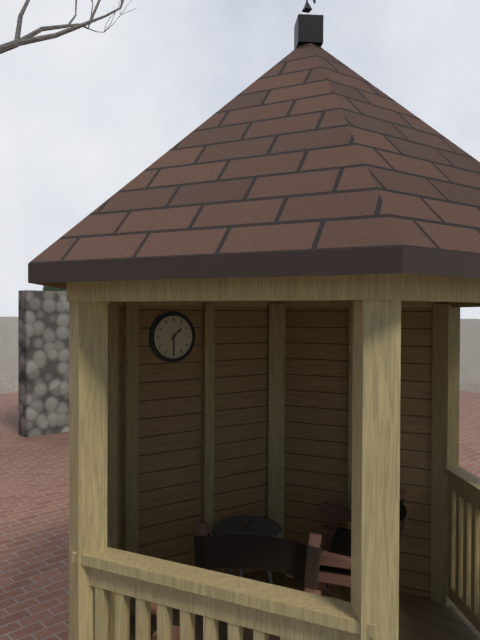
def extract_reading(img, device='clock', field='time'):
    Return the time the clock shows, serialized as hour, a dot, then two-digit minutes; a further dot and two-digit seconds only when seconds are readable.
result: 1.30
